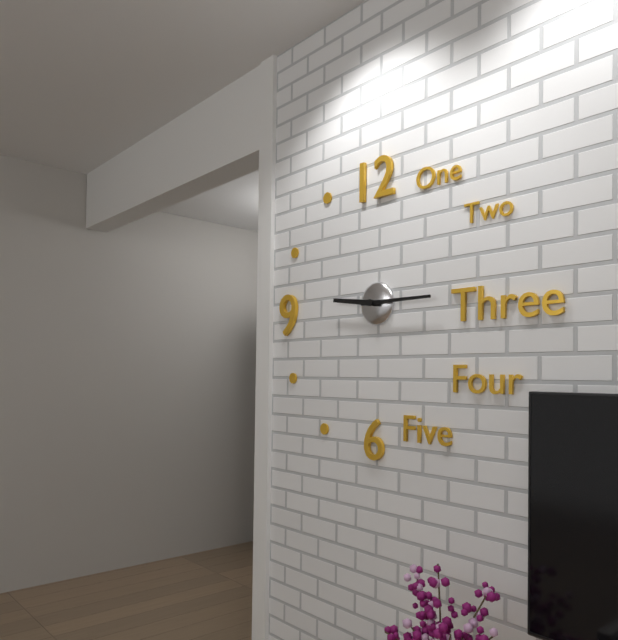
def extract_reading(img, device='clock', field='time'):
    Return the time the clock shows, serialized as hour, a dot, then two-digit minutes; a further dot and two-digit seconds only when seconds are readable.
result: 9.15
